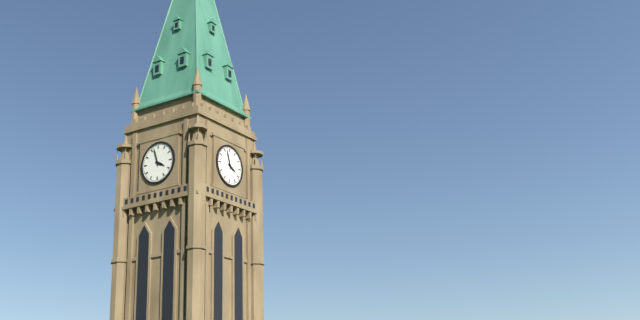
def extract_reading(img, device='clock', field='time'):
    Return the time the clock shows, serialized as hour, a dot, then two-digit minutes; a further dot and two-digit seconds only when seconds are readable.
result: 3.57
